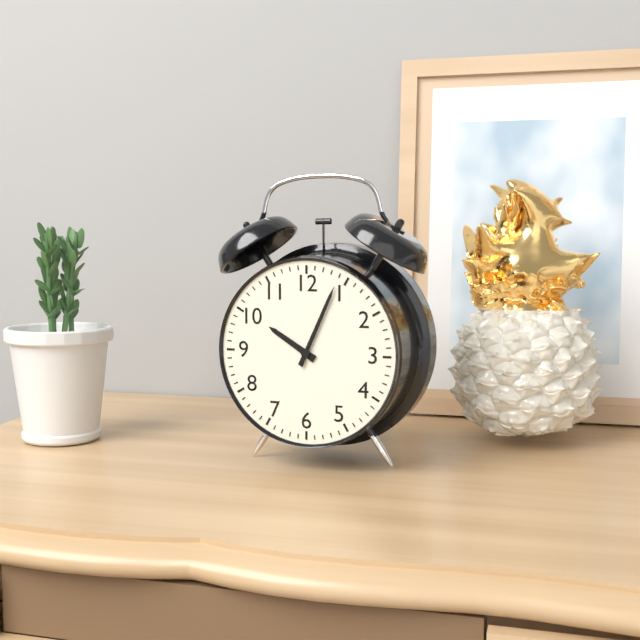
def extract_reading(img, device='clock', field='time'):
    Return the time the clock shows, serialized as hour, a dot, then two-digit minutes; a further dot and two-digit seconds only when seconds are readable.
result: 10.04
